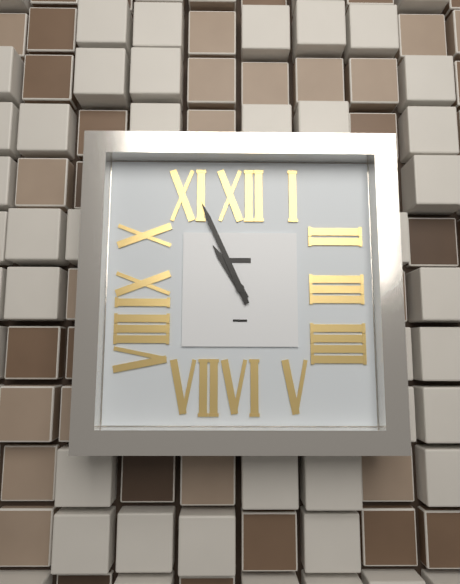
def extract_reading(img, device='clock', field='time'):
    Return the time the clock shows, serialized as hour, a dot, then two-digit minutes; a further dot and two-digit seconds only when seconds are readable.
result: 10.56
